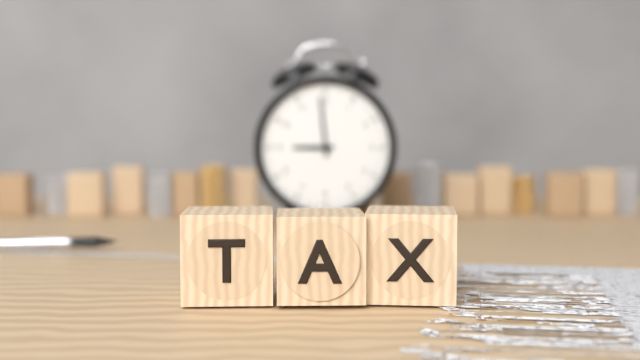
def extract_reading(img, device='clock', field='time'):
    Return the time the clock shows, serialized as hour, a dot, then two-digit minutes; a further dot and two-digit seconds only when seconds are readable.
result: 8.59
